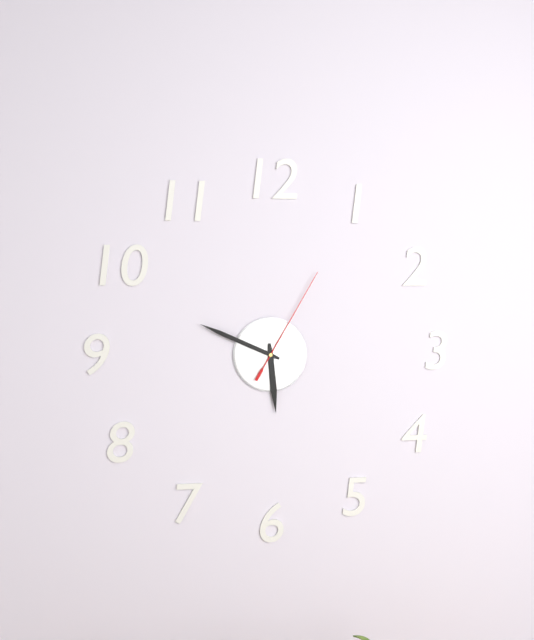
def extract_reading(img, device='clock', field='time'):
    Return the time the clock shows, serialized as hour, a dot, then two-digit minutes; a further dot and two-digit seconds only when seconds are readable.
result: 5.49.05
